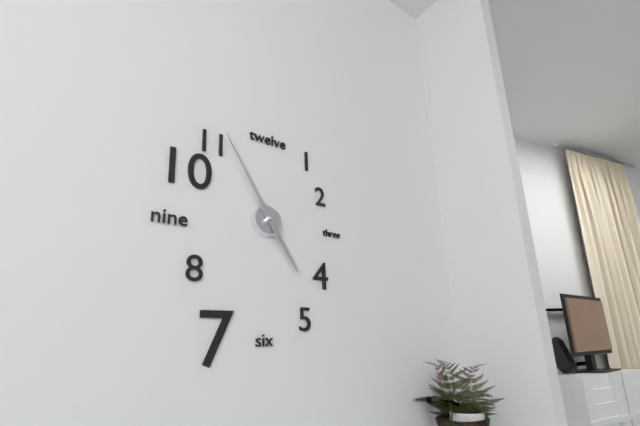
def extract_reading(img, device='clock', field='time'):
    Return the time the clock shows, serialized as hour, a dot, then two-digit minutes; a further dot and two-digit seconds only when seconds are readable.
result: 4.55
